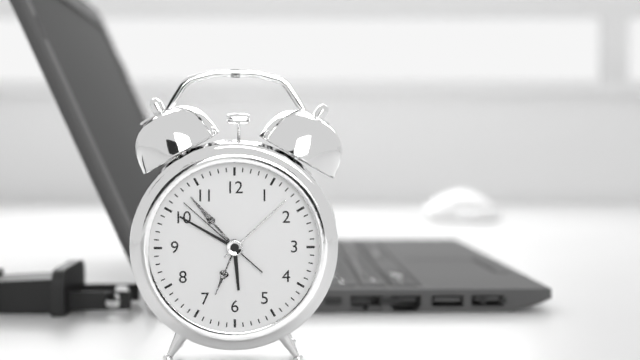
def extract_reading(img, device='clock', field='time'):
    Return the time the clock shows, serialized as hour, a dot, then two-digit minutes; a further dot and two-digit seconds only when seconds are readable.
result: 5.50.52
